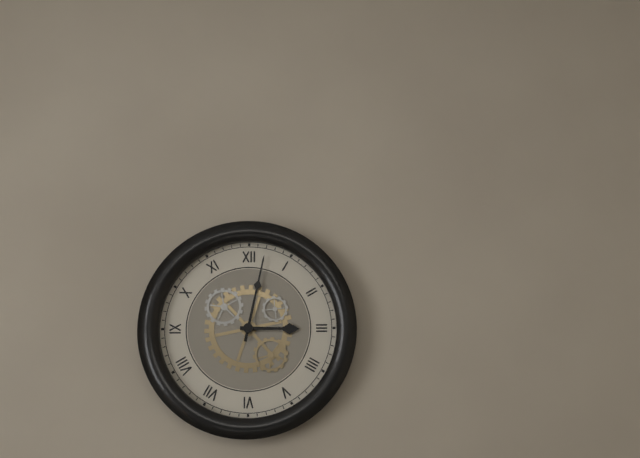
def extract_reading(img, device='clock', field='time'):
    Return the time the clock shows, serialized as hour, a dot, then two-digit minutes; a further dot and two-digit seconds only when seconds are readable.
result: 3.02
